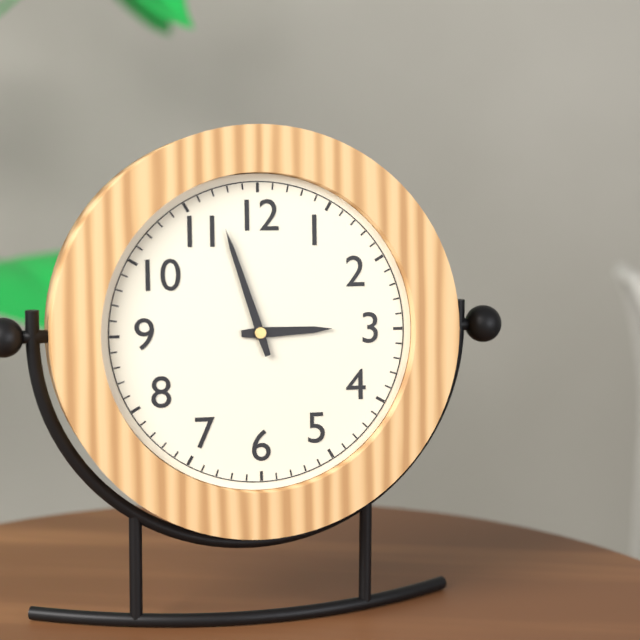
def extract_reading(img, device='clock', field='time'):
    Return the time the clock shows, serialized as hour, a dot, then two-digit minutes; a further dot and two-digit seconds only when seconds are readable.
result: 2.57
